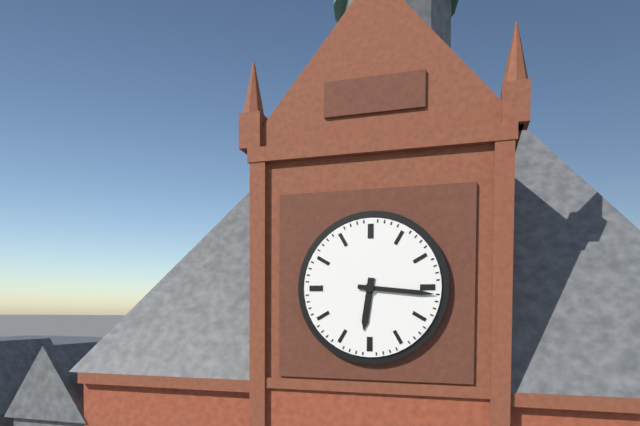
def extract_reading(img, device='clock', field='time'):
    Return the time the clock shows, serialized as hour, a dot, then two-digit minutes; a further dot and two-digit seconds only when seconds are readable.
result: 6.16
